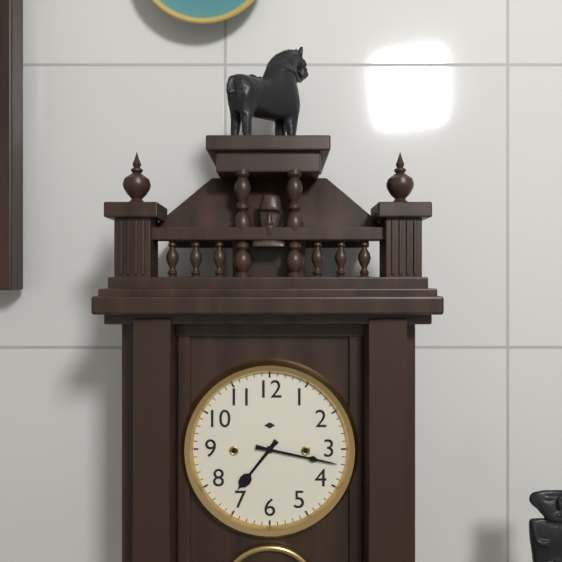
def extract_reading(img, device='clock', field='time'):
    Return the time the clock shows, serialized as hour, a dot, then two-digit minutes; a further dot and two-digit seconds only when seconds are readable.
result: 7.17
